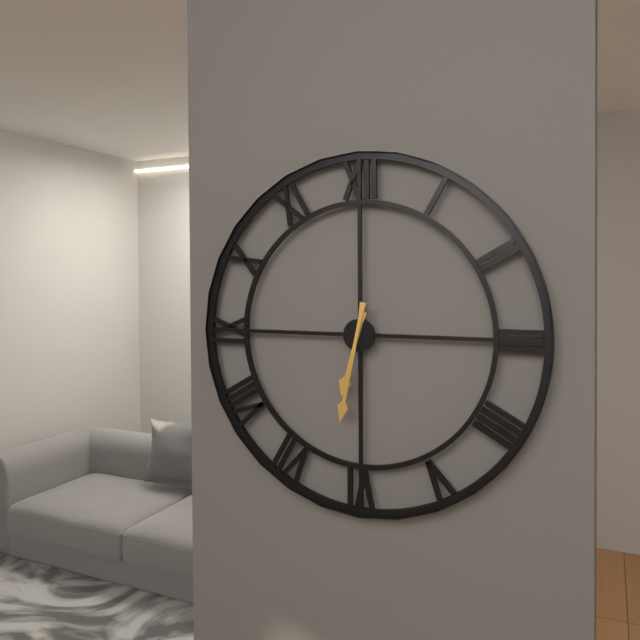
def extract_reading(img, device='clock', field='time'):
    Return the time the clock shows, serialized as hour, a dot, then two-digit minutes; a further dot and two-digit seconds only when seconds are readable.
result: 6.32
